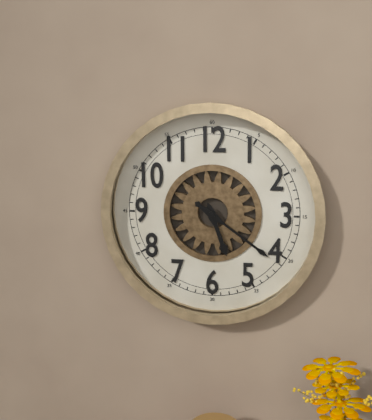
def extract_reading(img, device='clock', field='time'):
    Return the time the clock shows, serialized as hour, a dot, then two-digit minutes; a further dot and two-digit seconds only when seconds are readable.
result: 5.21
